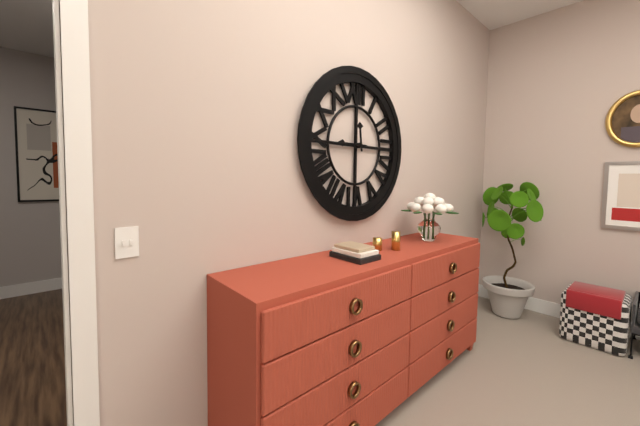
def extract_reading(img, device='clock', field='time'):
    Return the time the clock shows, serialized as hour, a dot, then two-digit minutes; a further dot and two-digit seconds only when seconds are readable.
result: 11.45
